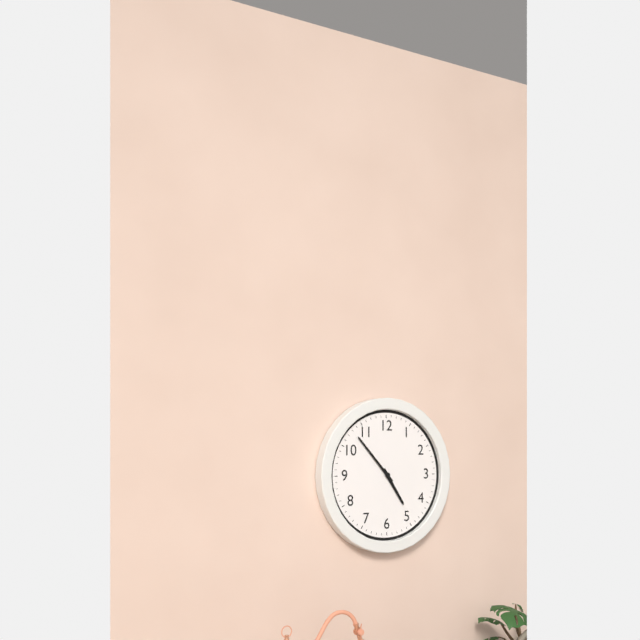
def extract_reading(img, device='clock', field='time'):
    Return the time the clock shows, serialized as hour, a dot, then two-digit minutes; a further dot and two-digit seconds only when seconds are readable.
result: 4.53
